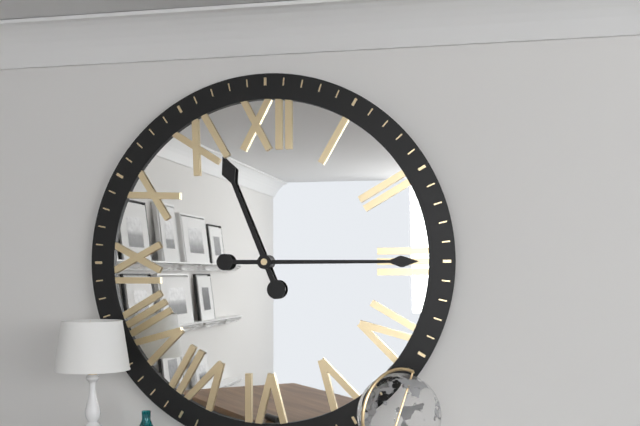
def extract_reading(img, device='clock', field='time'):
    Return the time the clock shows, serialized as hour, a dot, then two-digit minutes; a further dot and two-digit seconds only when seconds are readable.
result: 11.15
